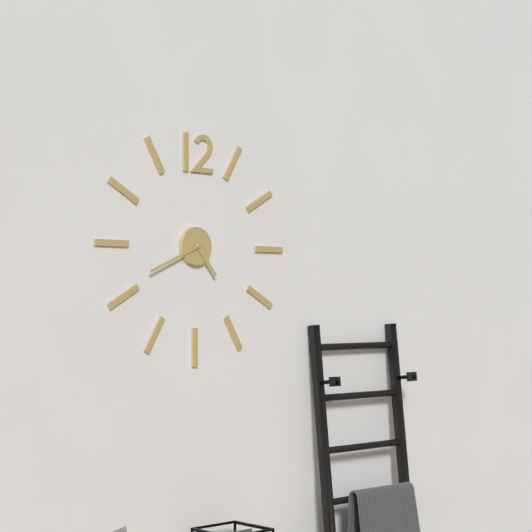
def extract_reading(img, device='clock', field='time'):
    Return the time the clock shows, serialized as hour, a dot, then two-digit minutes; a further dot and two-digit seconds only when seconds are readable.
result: 4.41
